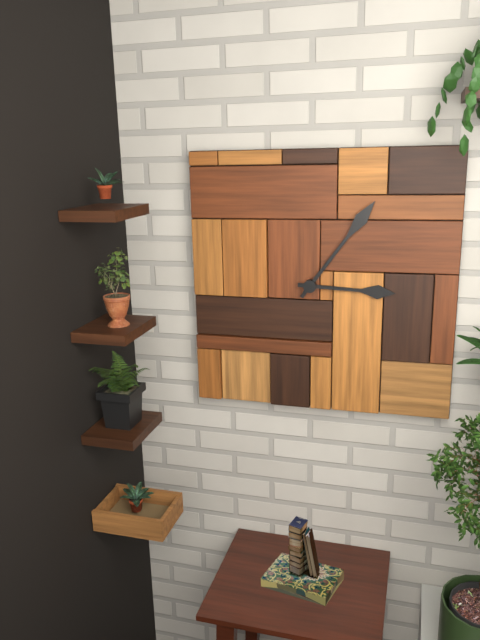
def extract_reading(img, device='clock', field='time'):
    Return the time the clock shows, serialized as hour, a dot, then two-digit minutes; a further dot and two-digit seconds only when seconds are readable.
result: 3.06
